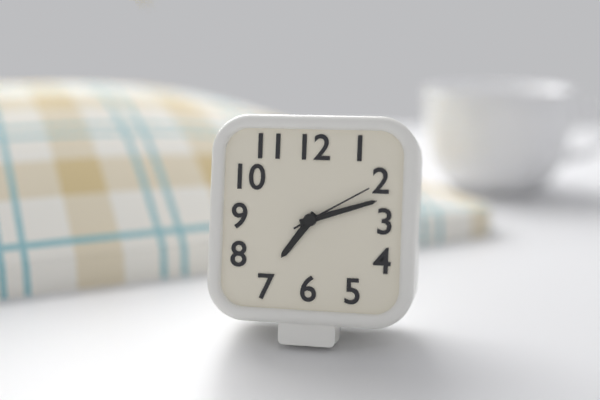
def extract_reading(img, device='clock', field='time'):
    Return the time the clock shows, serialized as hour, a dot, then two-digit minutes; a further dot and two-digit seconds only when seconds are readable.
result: 7.12.10
